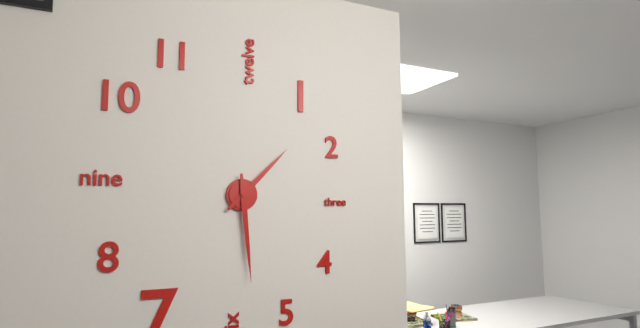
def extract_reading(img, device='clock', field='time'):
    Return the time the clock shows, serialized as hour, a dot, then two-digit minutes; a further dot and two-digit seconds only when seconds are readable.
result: 1.29
